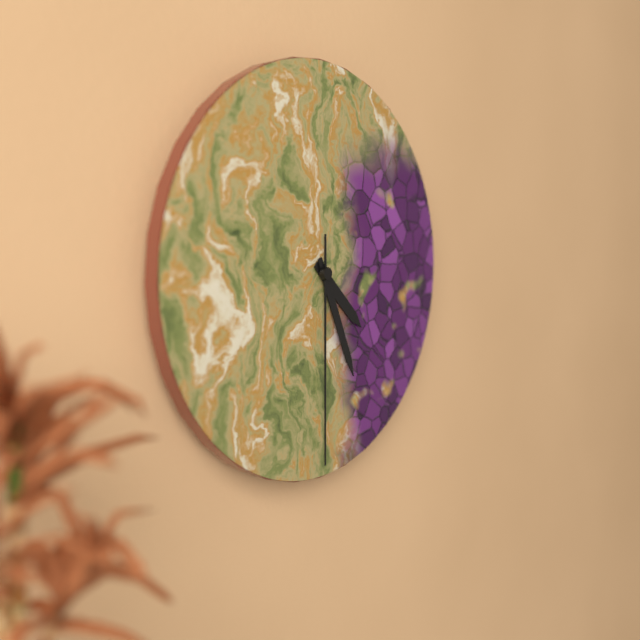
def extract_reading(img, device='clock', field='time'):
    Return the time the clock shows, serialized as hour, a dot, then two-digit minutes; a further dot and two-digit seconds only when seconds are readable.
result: 4.26.30
